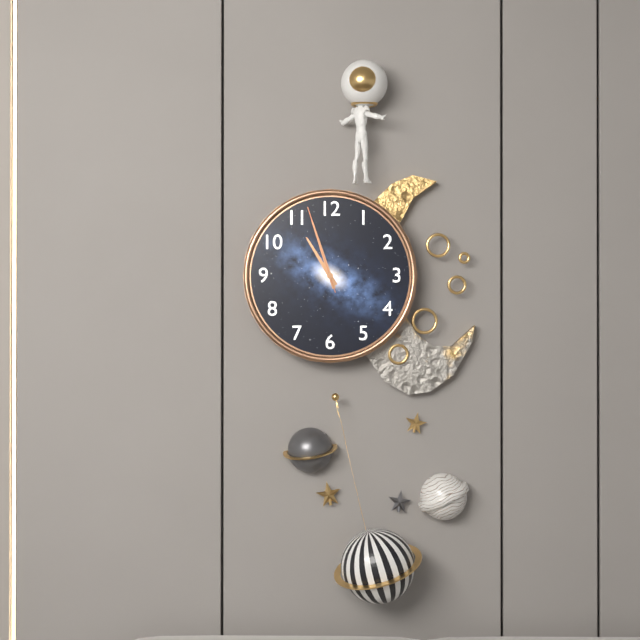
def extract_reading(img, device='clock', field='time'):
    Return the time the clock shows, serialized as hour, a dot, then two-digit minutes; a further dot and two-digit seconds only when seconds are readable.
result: 10.57.57
